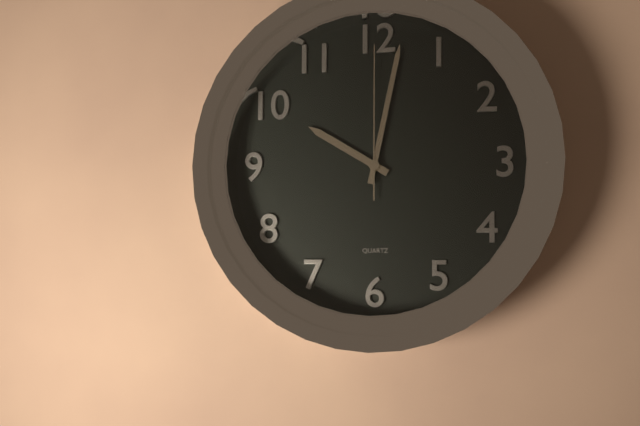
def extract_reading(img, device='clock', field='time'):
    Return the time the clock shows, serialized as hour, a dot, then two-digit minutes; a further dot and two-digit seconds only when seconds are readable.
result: 10.02.00
